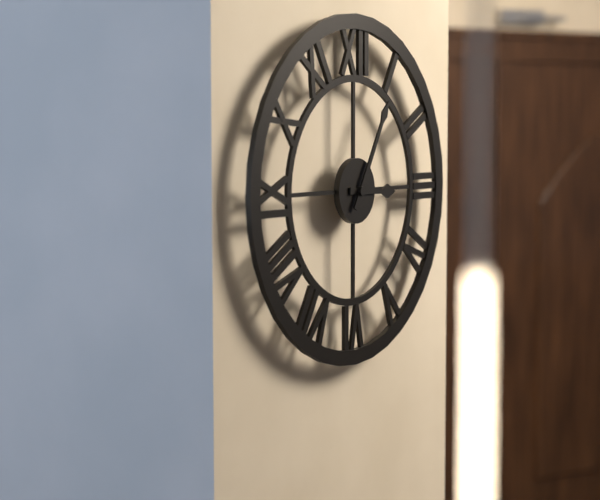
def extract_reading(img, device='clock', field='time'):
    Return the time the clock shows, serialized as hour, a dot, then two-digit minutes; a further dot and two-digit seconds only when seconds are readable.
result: 3.05
